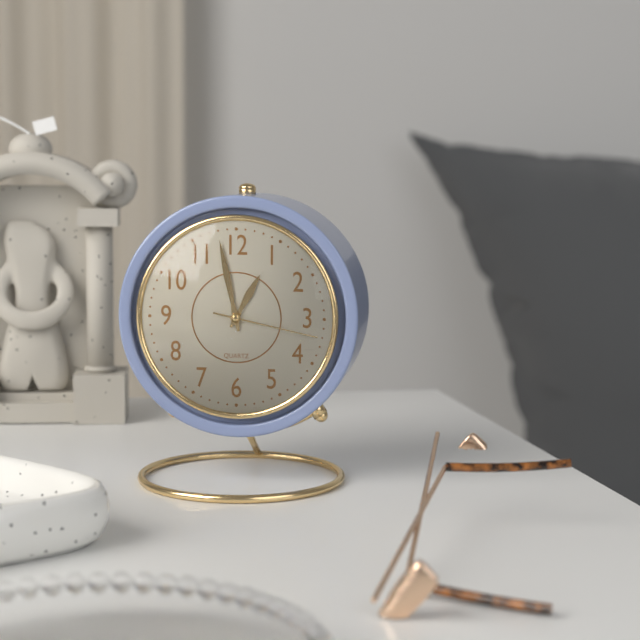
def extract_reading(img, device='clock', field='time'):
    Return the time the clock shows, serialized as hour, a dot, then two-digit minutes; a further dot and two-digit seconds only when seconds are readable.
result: 12.58.17
